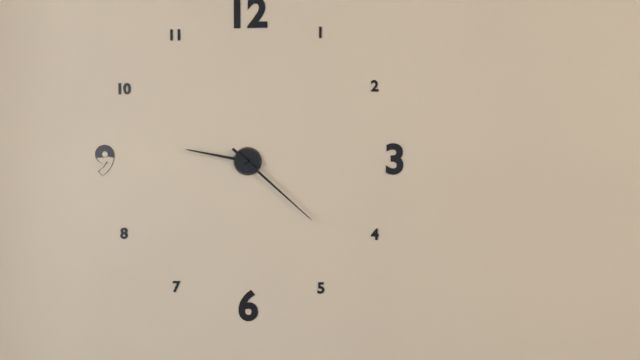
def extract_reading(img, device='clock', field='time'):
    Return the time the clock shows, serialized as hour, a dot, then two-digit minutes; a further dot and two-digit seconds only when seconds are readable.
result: 9.22
